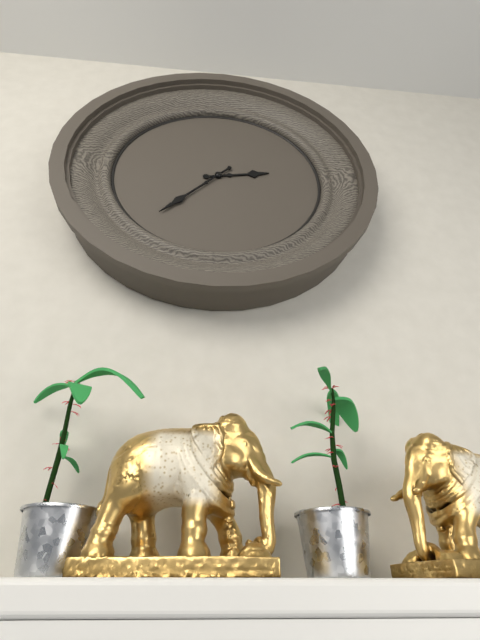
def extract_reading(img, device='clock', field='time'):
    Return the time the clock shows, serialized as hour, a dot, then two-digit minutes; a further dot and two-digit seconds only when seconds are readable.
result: 2.37
